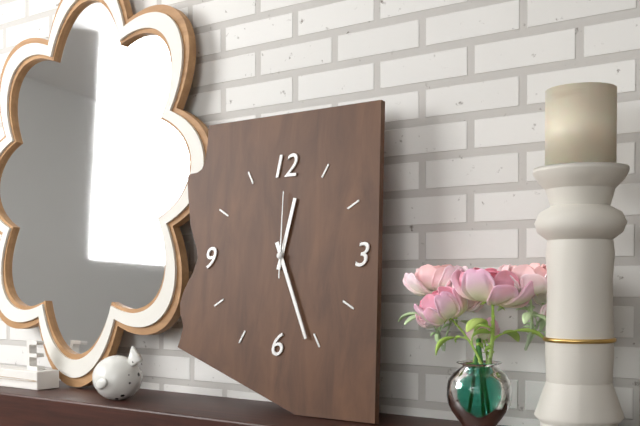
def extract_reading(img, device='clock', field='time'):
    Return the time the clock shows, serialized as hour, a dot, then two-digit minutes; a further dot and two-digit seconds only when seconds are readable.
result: 12.26.00
